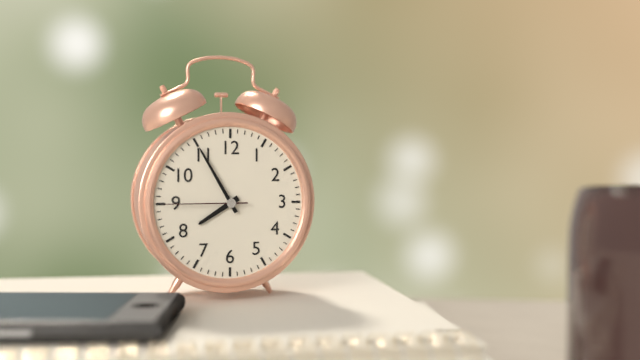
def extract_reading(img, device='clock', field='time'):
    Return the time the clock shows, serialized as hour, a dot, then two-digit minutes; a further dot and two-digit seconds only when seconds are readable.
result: 7.55.45
